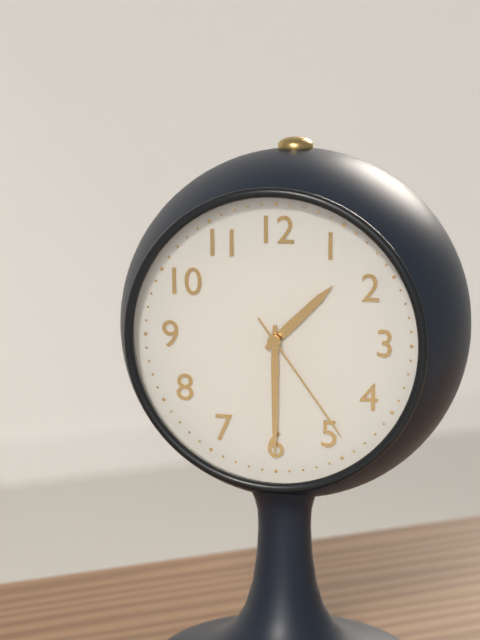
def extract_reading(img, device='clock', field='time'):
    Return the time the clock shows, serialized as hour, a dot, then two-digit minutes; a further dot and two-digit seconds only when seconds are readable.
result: 1.30.24
